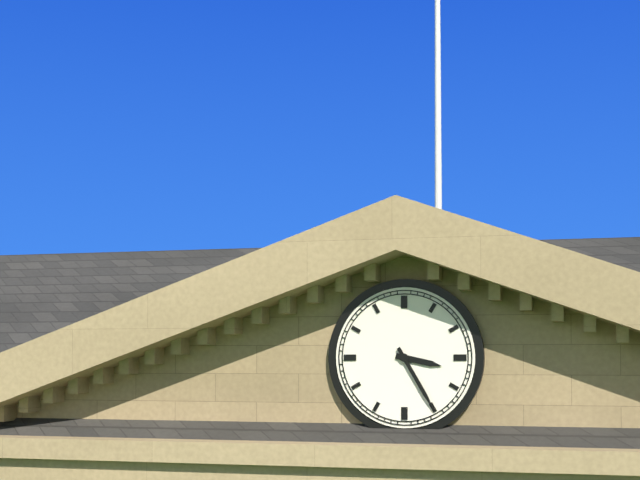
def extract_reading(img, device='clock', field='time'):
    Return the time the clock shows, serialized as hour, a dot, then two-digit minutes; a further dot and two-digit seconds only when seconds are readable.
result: 3.25
